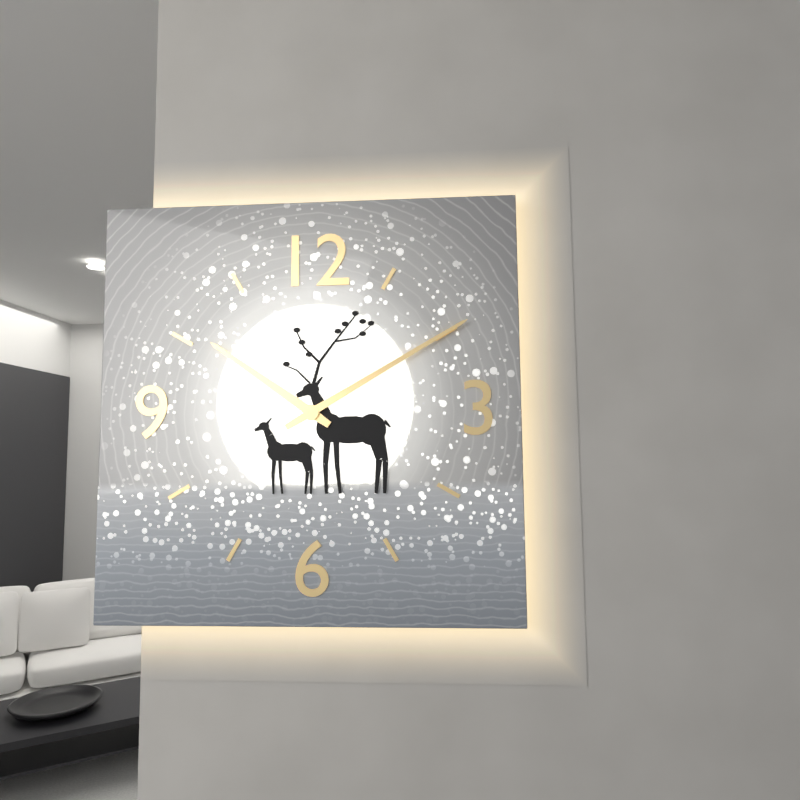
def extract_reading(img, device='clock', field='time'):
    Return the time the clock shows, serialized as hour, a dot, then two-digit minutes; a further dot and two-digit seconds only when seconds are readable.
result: 10.10
